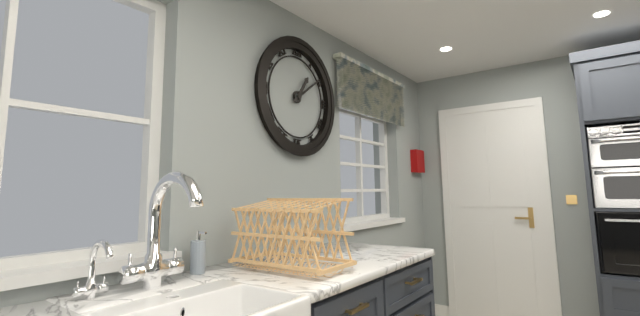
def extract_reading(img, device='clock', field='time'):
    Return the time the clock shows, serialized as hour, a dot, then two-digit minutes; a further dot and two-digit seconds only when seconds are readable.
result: 1.09
